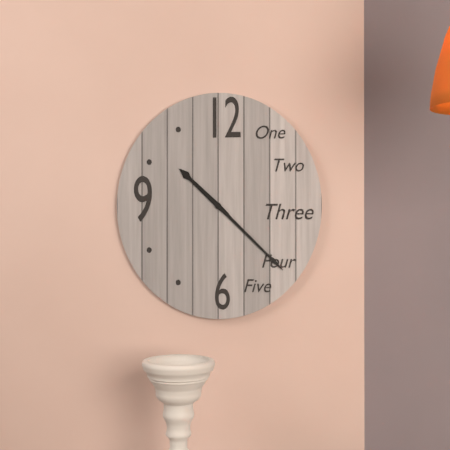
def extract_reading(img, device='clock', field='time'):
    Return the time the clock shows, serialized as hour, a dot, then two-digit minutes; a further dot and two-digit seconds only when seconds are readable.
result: 10.22
